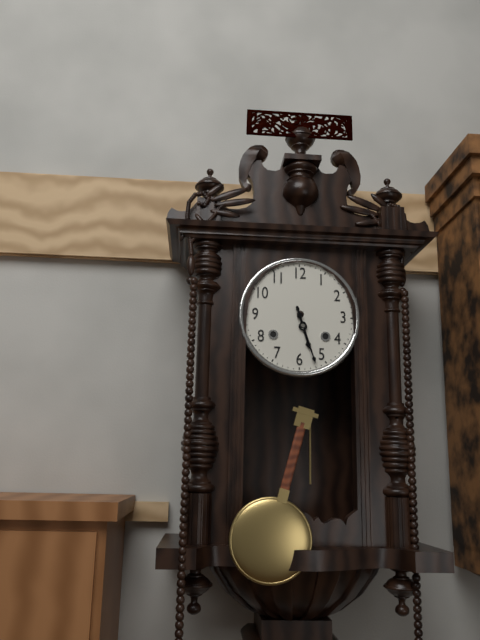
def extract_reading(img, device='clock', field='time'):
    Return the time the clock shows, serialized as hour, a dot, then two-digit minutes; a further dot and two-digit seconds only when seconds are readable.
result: 5.27
